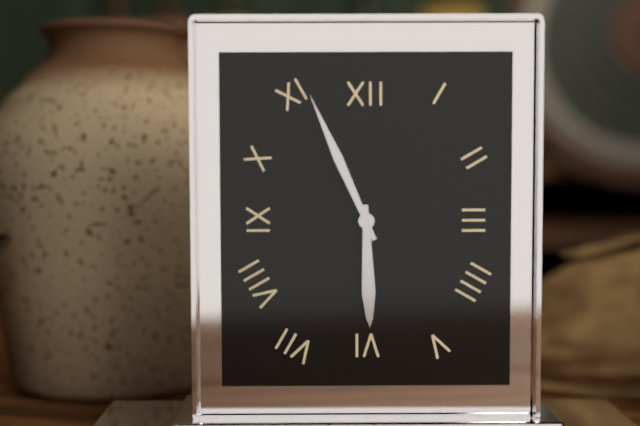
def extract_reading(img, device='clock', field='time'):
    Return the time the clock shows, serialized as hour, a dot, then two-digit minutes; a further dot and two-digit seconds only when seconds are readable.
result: 5.56
